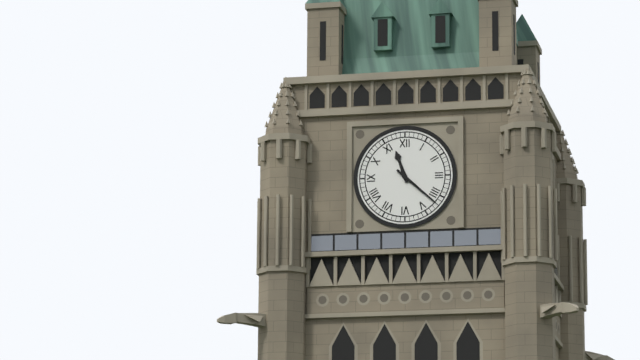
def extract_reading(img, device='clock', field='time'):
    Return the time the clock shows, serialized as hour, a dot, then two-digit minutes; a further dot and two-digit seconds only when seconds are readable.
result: 11.22
